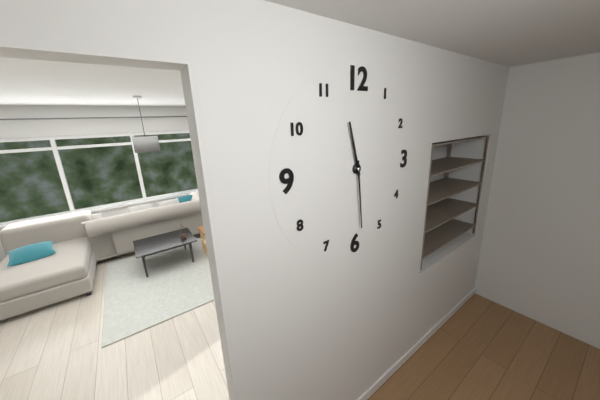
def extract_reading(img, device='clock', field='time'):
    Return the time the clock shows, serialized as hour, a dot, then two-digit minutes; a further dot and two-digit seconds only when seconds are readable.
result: 11.29
